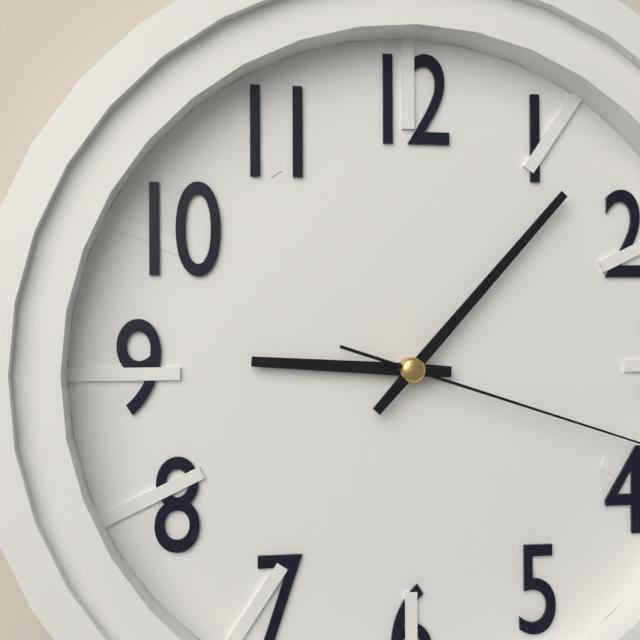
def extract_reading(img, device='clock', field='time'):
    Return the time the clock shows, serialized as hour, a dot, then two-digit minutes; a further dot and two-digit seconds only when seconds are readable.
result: 9.07
